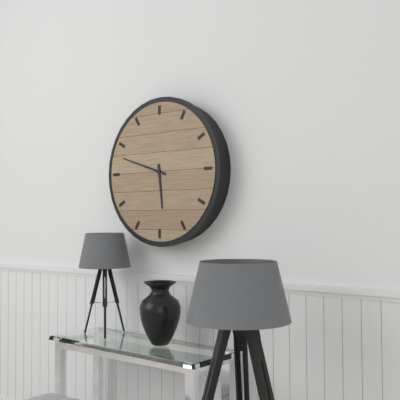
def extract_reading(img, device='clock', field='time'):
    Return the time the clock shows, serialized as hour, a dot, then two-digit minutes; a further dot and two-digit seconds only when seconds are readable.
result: 5.48
